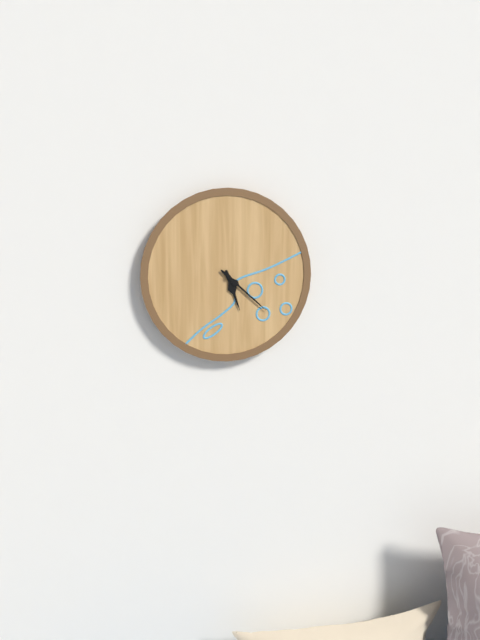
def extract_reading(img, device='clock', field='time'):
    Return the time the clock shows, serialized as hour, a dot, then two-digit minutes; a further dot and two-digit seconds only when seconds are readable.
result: 5.22
